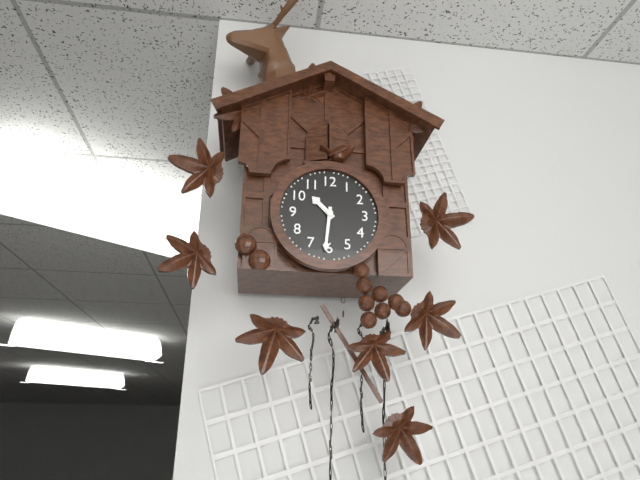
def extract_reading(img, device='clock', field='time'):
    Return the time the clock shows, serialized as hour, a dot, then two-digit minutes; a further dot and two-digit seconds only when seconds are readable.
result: 10.31
